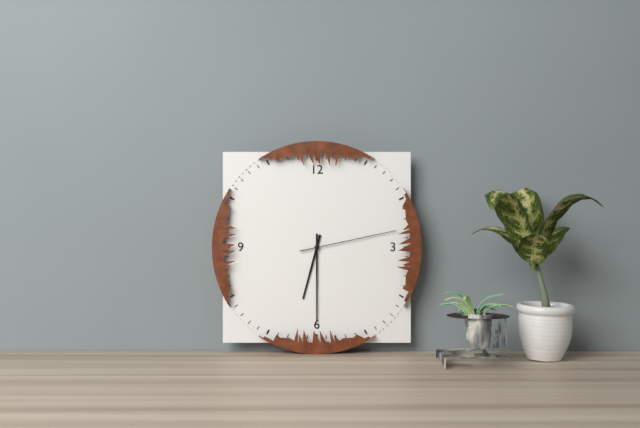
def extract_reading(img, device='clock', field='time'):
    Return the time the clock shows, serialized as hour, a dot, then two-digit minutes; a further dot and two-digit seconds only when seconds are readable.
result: 6.30.13
